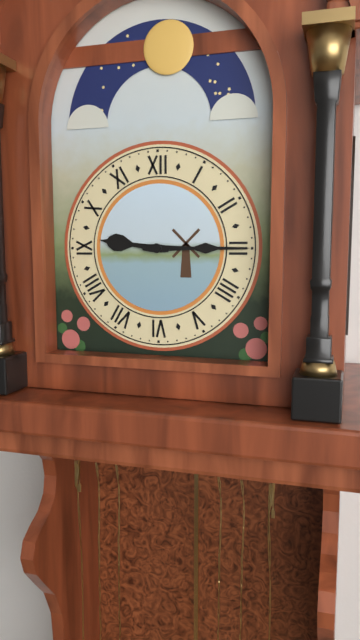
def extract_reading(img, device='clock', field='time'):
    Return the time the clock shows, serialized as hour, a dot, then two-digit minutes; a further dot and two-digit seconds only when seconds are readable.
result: 9.15
